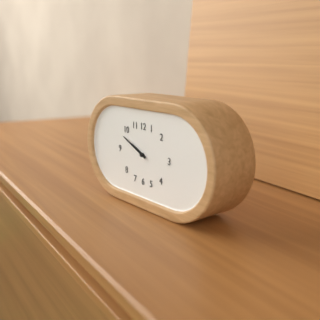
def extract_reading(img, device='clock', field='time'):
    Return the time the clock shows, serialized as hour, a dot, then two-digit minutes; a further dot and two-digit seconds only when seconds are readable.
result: 9.49
